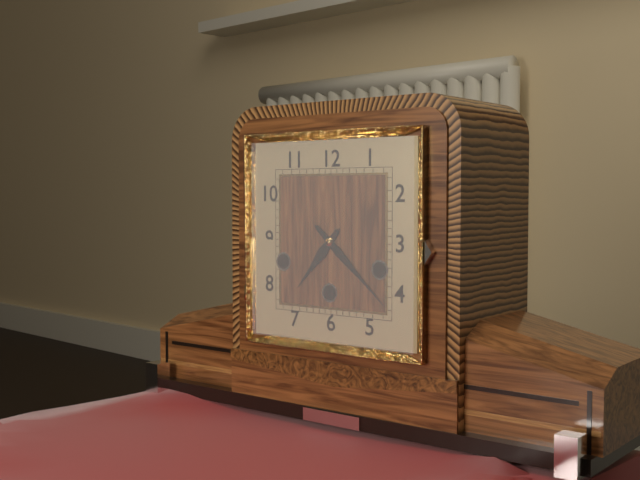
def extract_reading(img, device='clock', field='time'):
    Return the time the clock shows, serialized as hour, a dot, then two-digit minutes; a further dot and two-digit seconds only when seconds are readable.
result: 7.22
